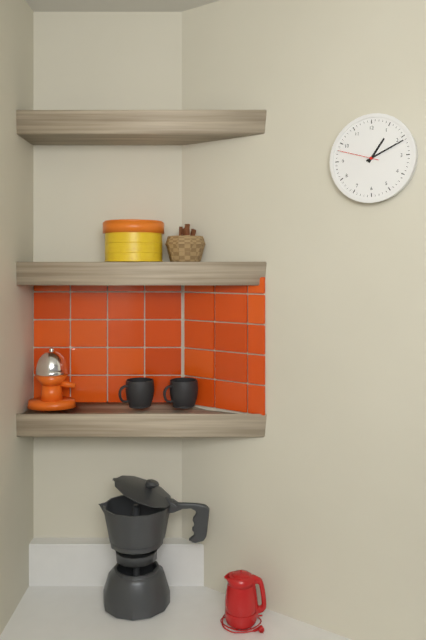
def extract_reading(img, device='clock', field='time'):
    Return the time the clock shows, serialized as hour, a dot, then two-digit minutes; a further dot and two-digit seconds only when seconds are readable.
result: 1.11
